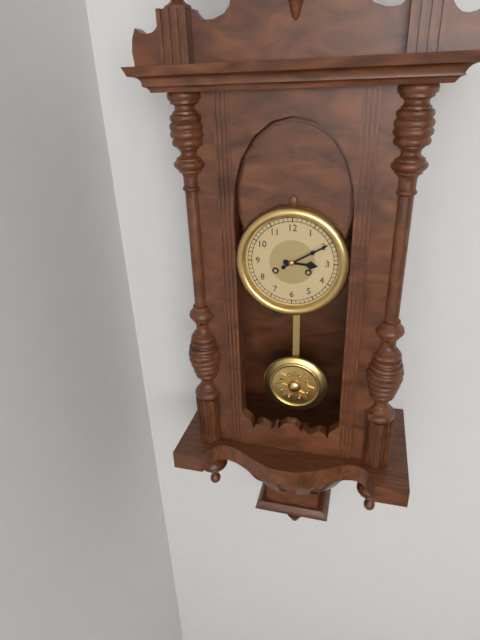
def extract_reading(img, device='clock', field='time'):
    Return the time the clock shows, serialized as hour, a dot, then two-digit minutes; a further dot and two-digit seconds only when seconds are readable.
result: 3.10
